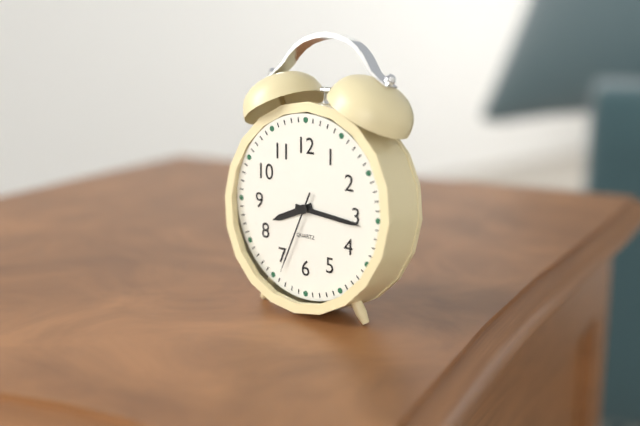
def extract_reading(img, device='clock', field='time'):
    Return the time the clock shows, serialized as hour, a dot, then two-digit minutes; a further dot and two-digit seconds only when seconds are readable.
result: 8.16.34
